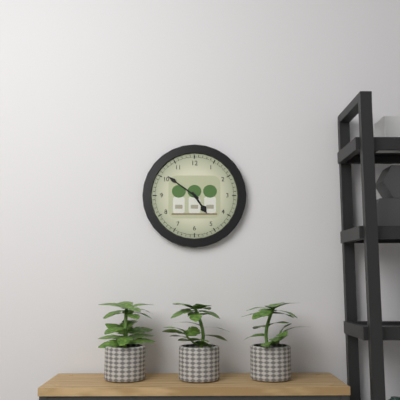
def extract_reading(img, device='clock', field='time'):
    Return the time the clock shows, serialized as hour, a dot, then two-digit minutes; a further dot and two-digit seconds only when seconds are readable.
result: 4.51
